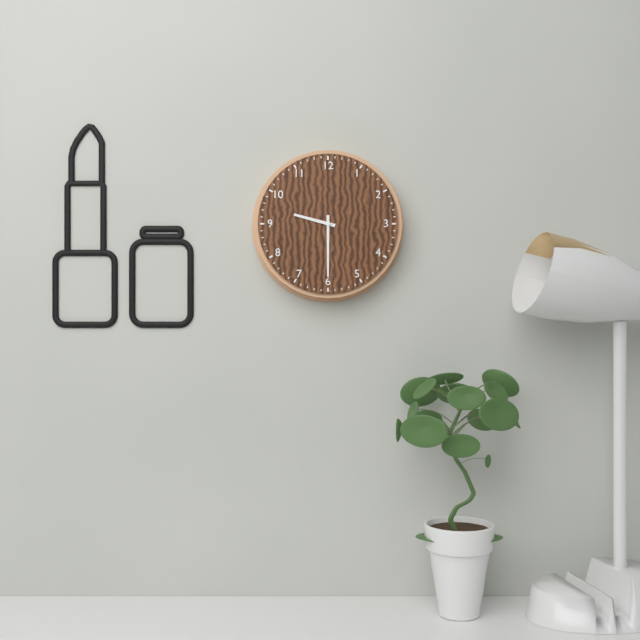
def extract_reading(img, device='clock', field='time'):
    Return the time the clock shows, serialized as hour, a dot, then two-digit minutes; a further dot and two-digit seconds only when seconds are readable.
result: 9.30
